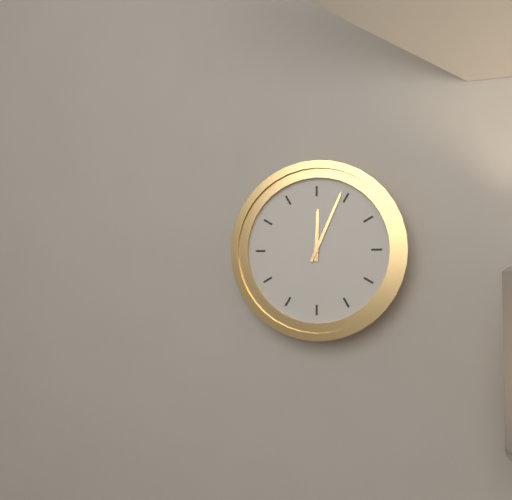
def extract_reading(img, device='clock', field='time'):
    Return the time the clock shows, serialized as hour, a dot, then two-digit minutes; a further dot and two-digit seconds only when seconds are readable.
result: 12.04
